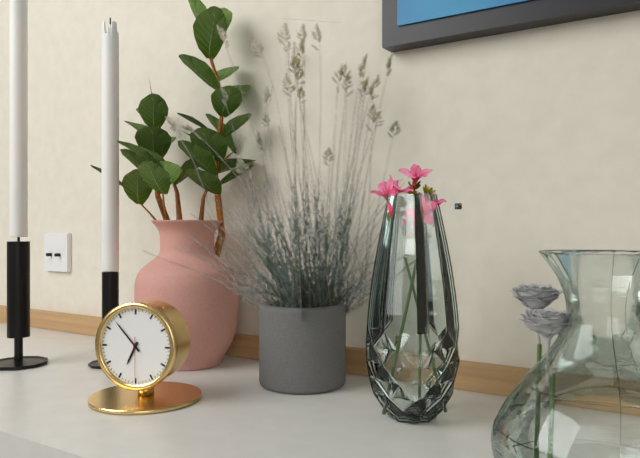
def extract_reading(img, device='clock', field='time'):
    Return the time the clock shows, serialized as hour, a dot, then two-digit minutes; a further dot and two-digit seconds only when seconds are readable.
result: 6.53
